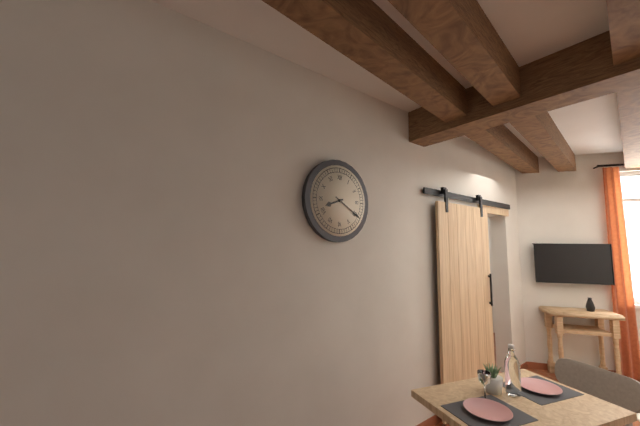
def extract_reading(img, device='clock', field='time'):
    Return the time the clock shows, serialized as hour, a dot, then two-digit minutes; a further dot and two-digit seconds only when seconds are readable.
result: 8.20
